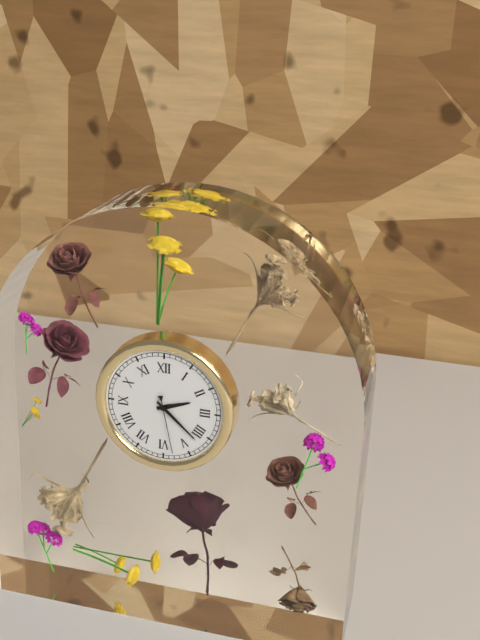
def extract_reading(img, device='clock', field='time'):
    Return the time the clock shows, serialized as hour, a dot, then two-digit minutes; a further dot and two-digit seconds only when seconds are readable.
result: 2.22.28
